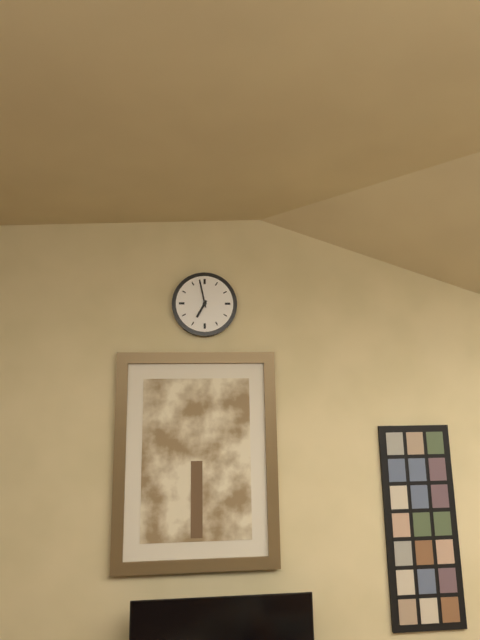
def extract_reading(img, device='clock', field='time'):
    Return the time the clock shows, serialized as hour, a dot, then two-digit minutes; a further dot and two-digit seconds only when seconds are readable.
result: 6.58
